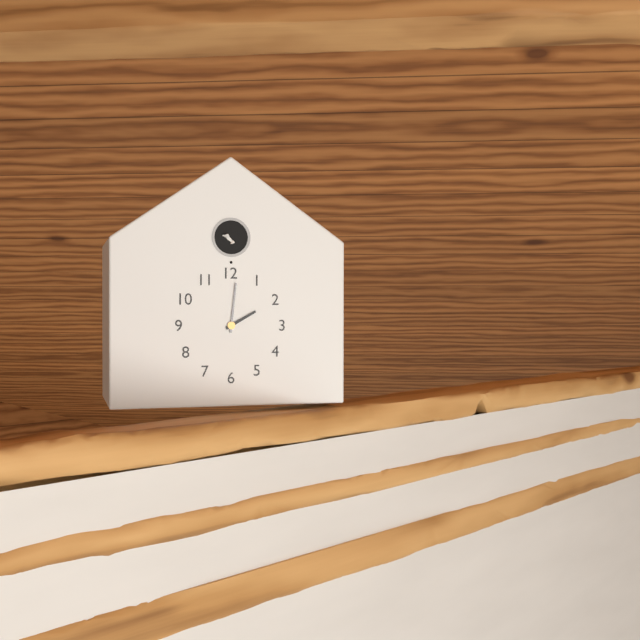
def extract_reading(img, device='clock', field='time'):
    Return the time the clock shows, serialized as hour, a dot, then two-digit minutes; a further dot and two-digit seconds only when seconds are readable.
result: 2.01
